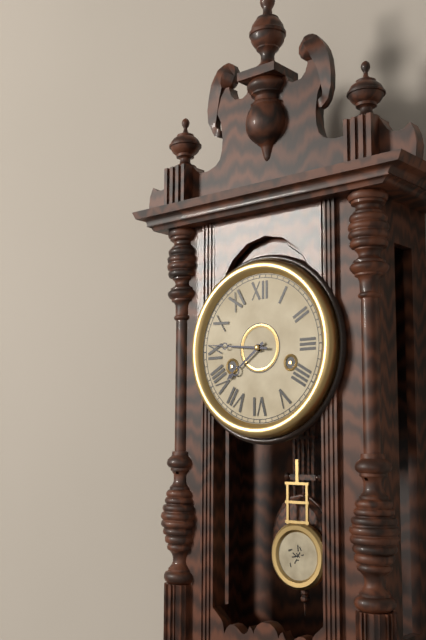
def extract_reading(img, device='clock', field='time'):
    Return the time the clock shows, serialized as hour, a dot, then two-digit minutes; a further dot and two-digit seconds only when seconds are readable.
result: 7.46
